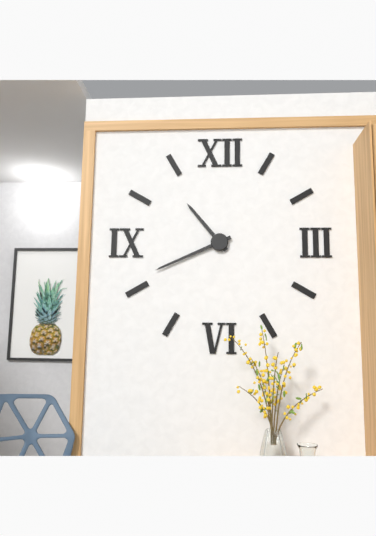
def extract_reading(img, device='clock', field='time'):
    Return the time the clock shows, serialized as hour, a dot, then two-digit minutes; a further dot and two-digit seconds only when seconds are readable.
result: 10.41
